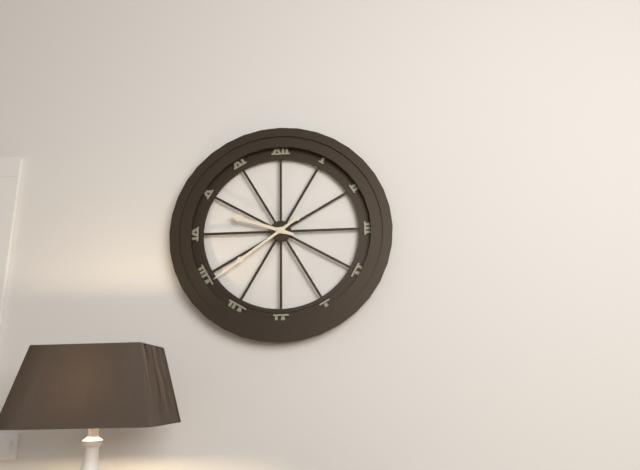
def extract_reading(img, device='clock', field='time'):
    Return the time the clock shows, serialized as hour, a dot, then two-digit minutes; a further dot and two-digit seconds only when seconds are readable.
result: 9.39
